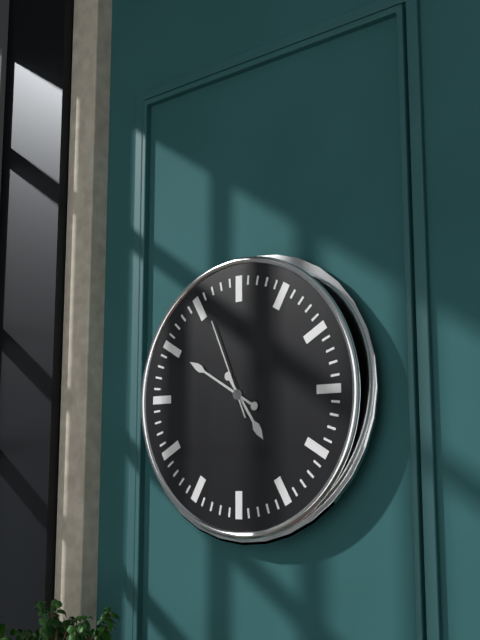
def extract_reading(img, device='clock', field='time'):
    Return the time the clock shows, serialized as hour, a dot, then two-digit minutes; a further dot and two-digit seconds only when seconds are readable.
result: 4.50.56
